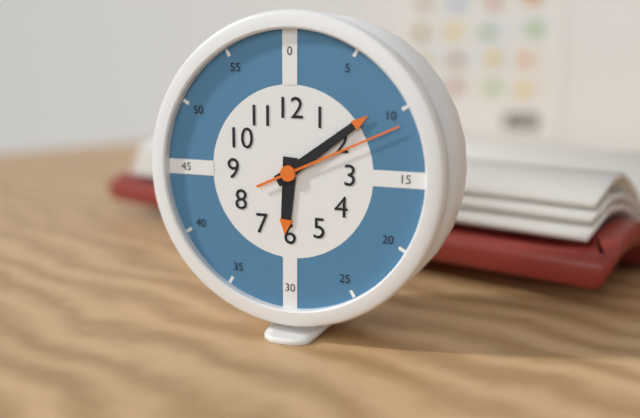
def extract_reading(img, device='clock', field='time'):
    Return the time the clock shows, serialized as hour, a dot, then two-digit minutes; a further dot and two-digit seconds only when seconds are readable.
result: 6.09.11
